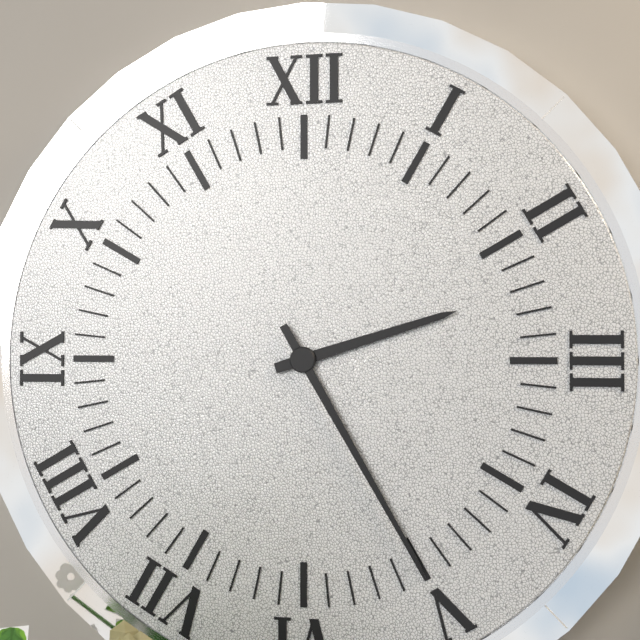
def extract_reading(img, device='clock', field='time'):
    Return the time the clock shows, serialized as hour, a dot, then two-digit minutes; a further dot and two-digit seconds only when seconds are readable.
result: 2.25
